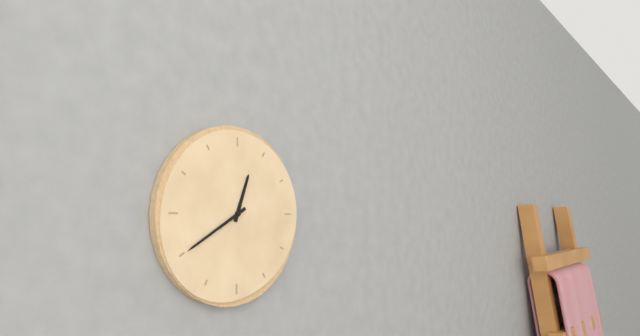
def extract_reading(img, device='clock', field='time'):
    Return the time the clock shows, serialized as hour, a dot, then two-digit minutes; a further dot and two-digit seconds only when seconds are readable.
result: 12.40
